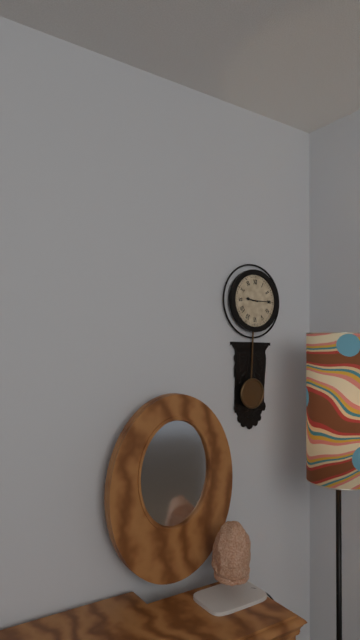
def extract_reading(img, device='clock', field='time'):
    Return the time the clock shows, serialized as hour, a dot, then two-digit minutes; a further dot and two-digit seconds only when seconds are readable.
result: 9.15
